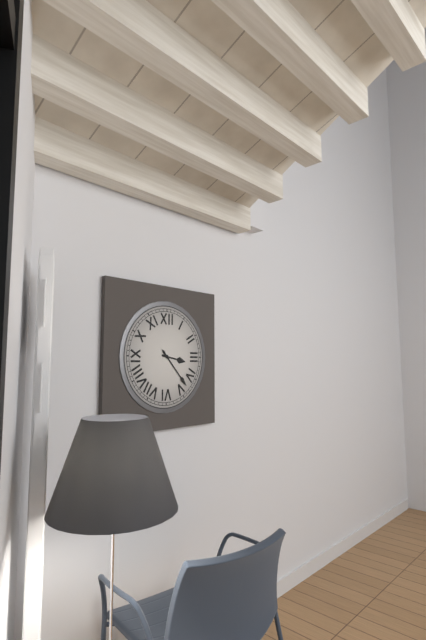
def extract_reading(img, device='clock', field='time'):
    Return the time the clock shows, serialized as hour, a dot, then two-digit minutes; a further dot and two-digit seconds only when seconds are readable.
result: 3.23
